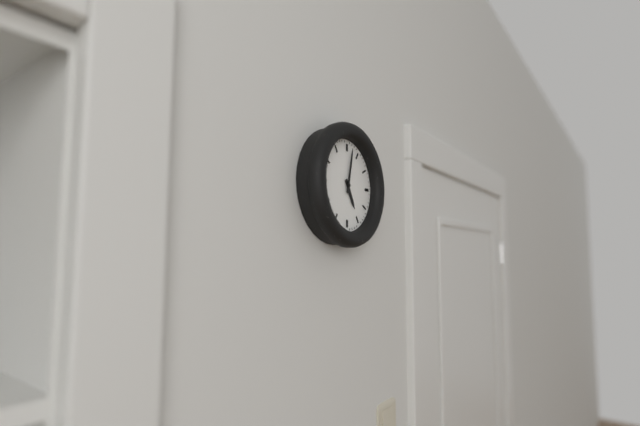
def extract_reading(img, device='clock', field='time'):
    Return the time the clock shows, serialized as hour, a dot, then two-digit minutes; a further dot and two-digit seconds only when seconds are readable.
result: 5.02
